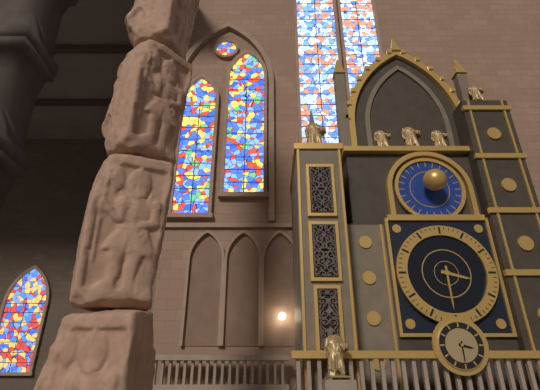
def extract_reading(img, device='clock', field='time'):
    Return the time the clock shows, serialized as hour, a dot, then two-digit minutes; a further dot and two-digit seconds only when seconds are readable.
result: 3.30
